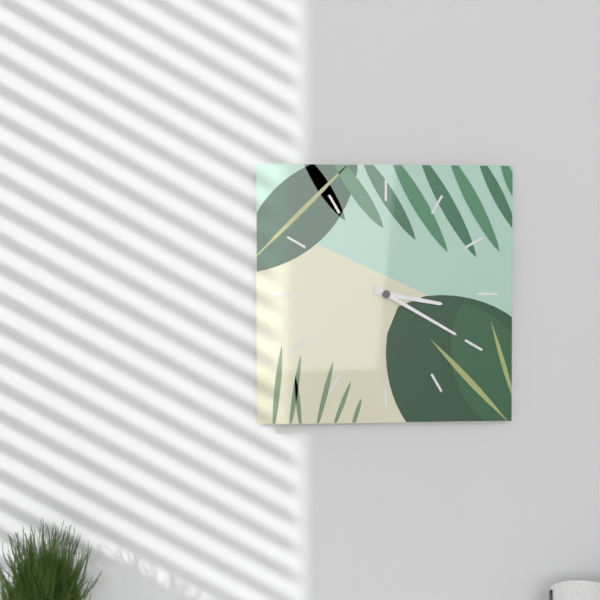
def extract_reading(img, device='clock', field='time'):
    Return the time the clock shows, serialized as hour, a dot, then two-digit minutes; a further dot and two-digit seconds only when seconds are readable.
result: 3.20
